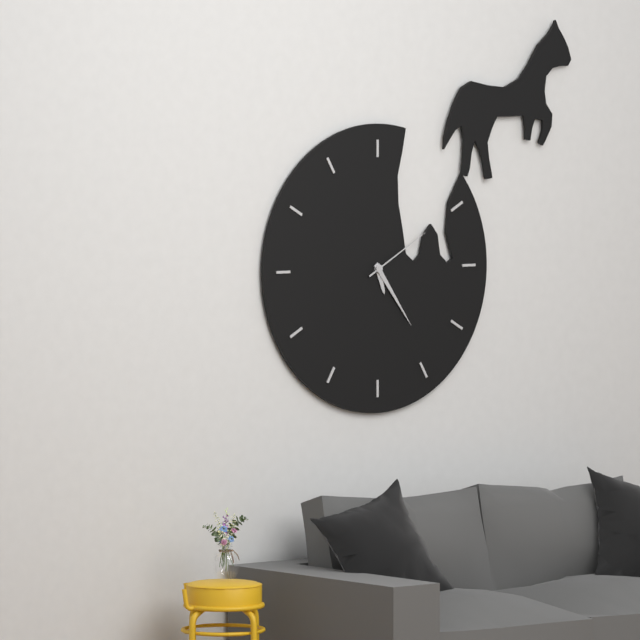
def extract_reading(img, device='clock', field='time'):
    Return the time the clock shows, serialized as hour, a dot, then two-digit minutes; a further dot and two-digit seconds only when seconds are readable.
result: 5.24.10
